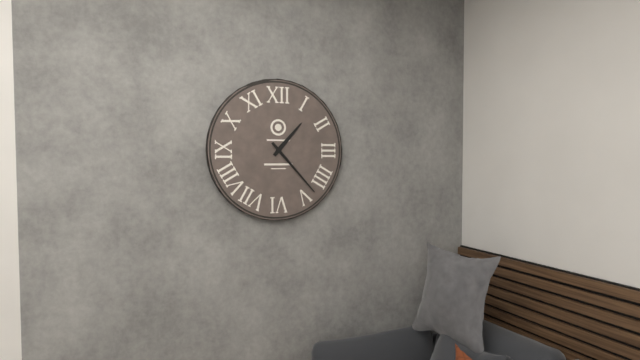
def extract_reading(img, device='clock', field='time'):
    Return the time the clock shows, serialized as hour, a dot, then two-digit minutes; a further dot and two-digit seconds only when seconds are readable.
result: 1.23
